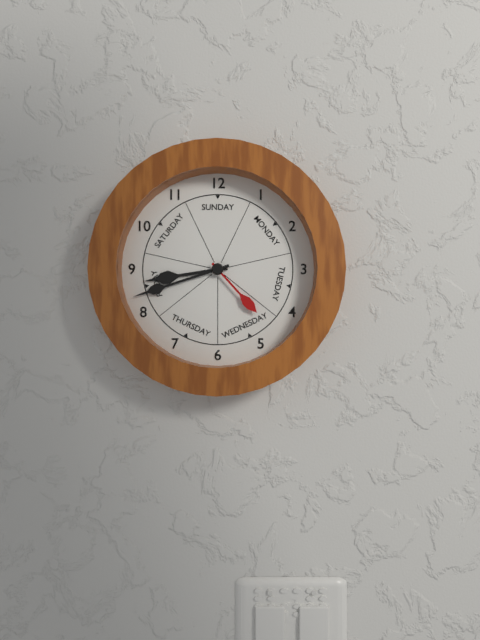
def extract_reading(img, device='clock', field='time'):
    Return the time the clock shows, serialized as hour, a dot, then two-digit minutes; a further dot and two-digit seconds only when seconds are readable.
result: 8.42.23
